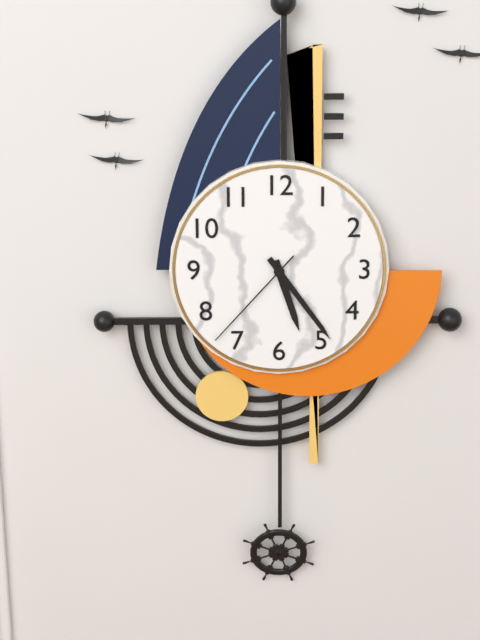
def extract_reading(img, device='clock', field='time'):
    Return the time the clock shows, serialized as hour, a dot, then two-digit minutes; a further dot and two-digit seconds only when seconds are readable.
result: 5.24.37
